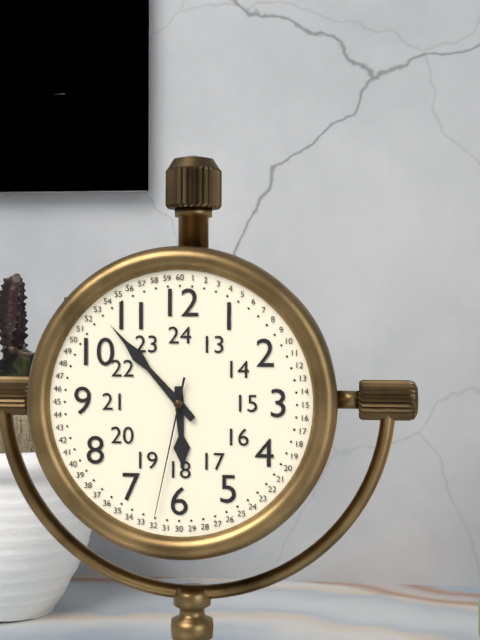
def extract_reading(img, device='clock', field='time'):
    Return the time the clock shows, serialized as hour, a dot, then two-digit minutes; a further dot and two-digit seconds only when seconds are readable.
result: 5.53.32
